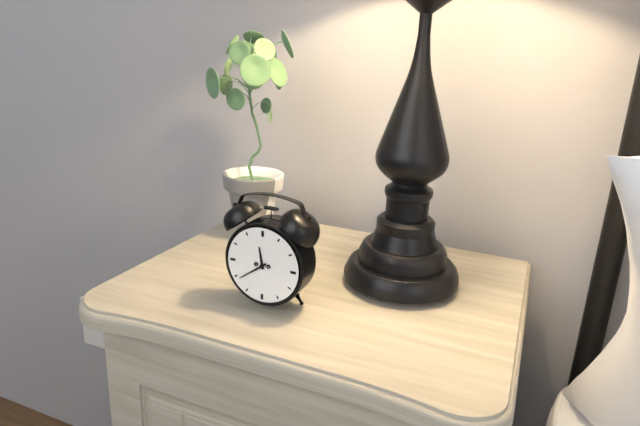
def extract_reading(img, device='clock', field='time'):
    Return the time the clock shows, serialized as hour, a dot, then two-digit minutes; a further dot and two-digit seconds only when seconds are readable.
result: 11.39
